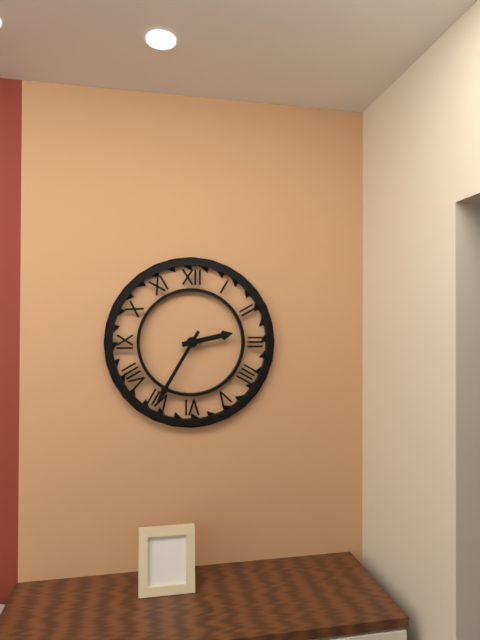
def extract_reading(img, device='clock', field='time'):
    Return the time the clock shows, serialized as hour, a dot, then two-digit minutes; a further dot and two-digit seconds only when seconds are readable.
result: 2.35
